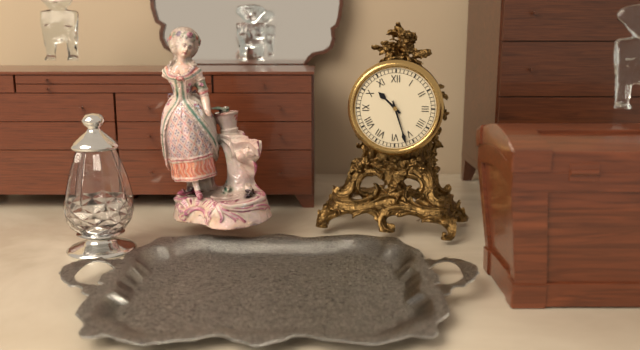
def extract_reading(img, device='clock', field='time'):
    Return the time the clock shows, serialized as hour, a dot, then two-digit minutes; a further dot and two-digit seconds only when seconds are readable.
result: 10.27
